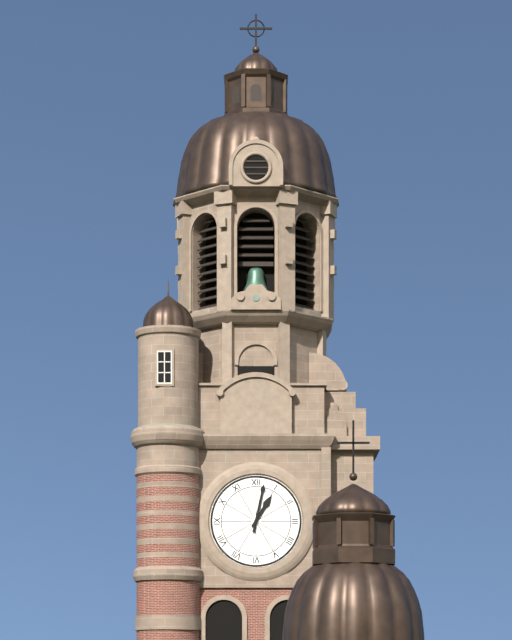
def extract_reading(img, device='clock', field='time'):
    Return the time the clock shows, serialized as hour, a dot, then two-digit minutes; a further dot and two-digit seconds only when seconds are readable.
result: 1.02
